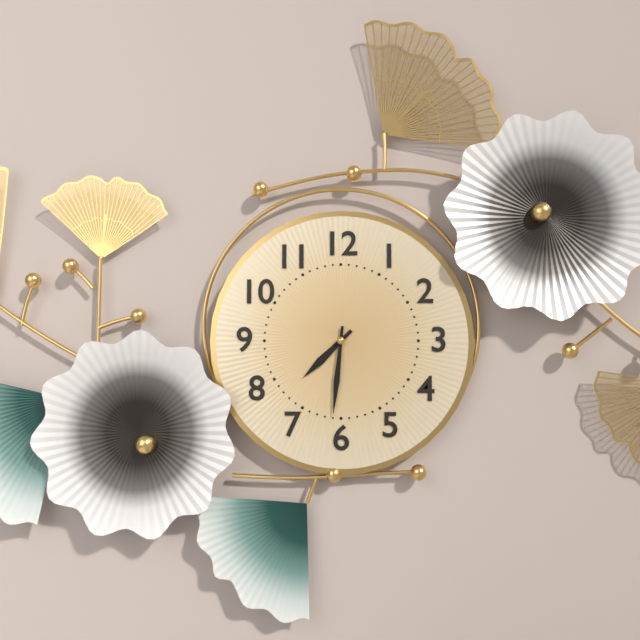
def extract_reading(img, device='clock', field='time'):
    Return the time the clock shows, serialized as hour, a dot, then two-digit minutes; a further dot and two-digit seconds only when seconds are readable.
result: 7.31
